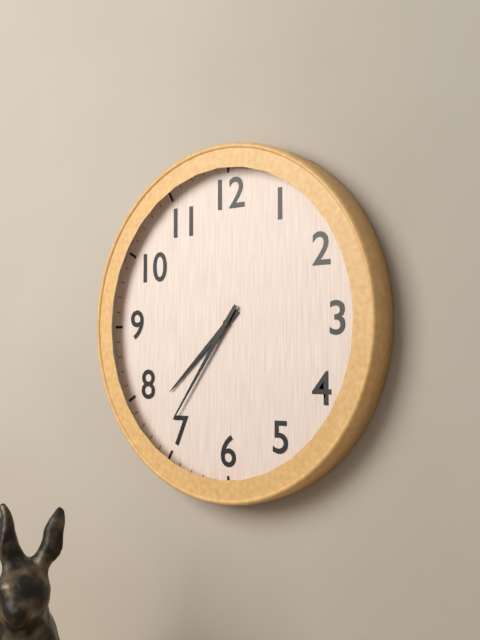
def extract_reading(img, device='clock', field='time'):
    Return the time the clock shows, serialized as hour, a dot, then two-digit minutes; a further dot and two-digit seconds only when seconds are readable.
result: 7.36
